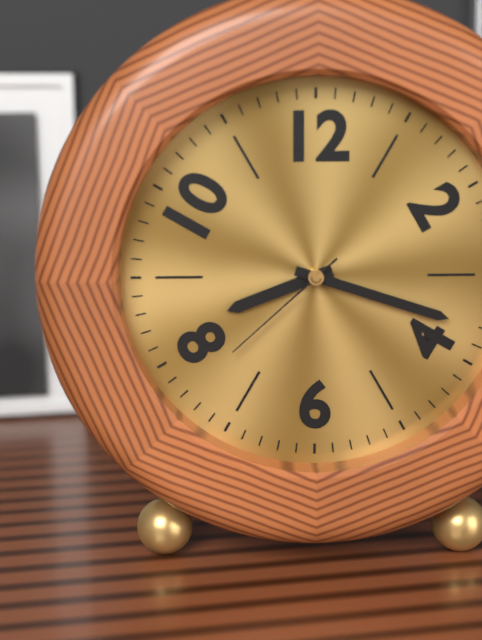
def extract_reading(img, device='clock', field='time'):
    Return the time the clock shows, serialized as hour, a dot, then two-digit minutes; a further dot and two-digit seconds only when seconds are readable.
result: 8.18.38
